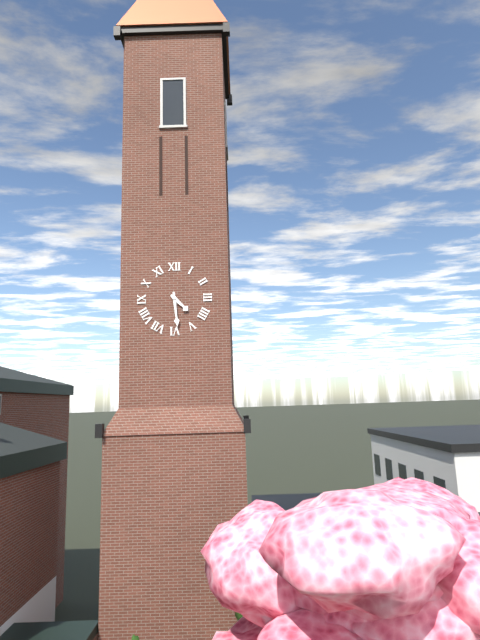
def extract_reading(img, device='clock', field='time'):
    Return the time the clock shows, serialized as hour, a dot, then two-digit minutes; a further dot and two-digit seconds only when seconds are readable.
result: 4.29
